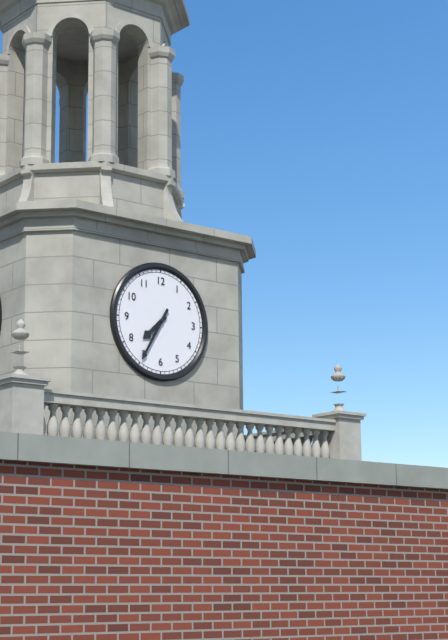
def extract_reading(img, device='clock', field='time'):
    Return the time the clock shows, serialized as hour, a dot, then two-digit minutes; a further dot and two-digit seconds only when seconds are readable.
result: 7.35
